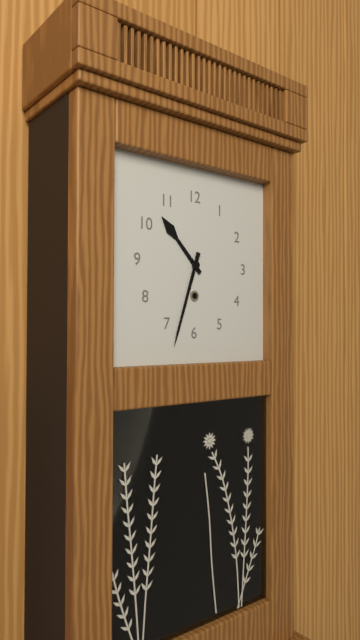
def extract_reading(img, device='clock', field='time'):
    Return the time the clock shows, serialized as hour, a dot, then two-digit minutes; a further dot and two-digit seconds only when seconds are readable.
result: 10.33
